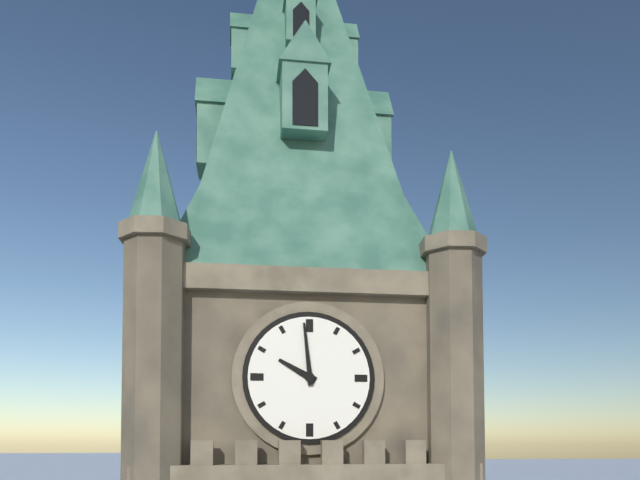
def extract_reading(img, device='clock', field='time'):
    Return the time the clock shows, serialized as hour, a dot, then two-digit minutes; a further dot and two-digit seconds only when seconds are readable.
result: 9.59
